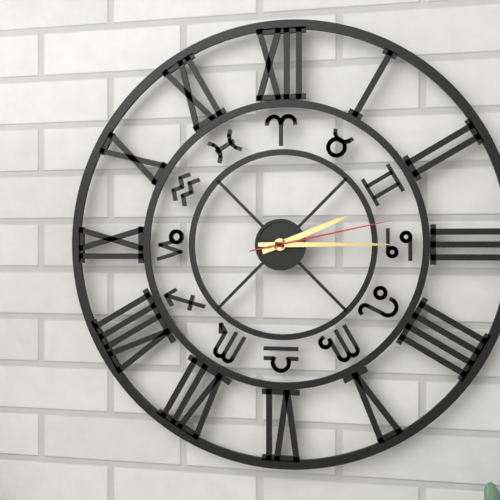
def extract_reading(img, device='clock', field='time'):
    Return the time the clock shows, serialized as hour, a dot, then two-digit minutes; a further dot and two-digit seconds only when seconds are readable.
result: 2.15.13
